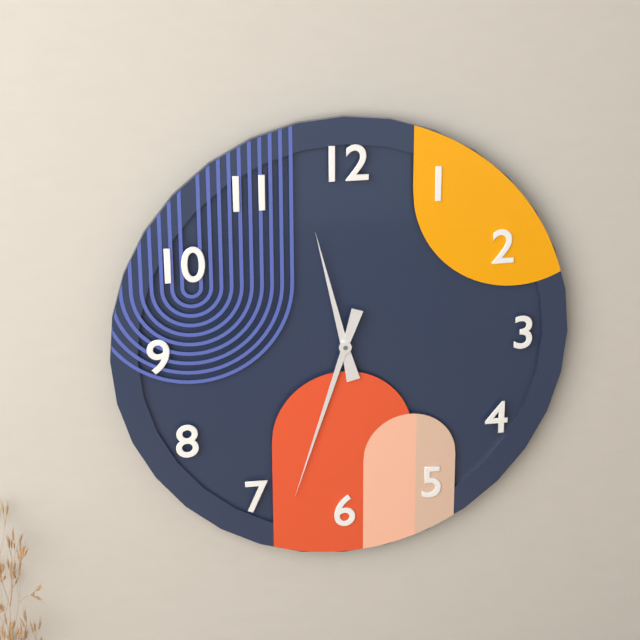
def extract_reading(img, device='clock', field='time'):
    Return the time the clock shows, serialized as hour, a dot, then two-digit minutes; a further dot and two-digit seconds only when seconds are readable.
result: 11.33
